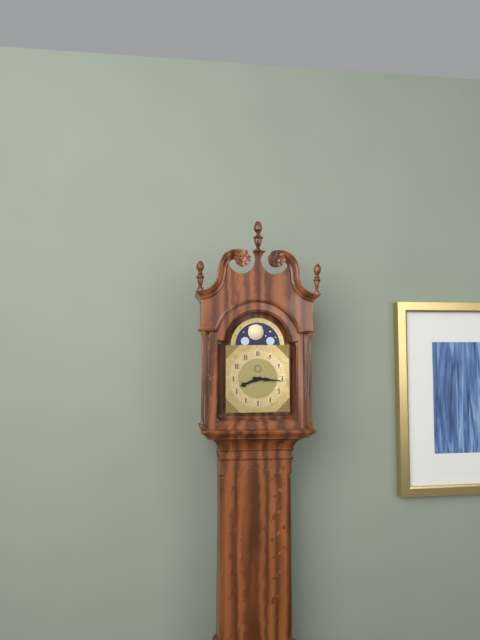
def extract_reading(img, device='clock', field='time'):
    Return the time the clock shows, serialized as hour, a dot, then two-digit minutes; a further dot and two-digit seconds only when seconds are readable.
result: 8.16
